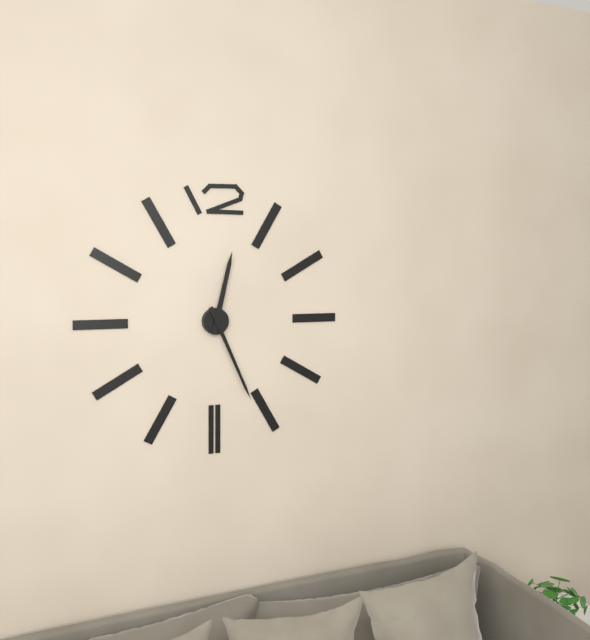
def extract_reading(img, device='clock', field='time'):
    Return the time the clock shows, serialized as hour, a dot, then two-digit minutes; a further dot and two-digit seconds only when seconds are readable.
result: 12.26
